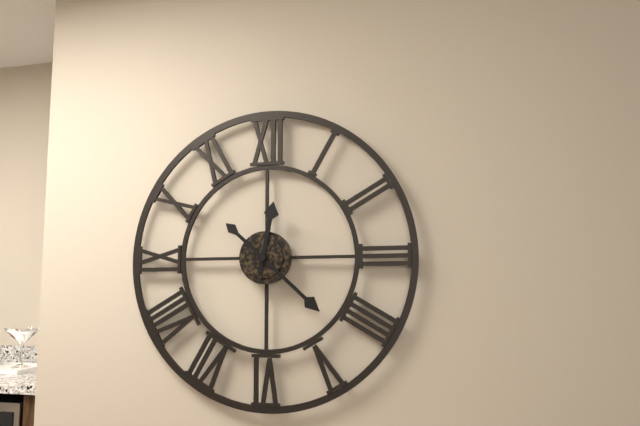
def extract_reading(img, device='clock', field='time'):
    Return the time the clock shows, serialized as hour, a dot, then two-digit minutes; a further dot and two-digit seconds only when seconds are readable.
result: 12.22
